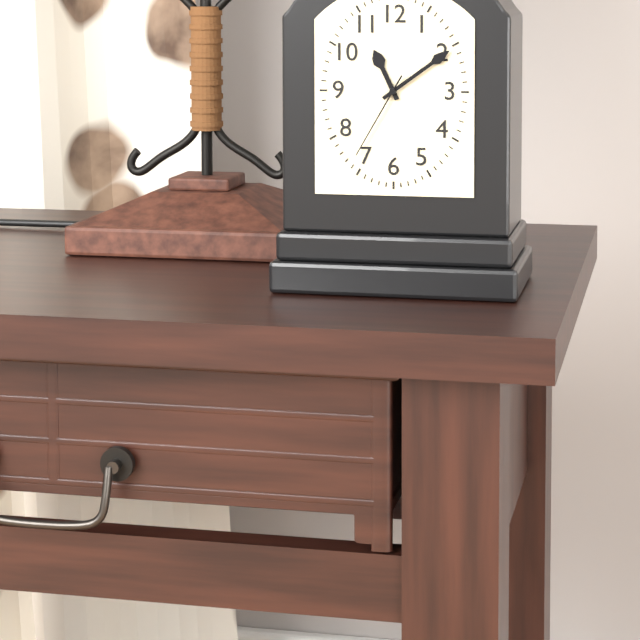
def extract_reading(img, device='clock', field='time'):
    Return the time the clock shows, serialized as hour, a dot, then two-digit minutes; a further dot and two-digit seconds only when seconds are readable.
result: 11.09.35
